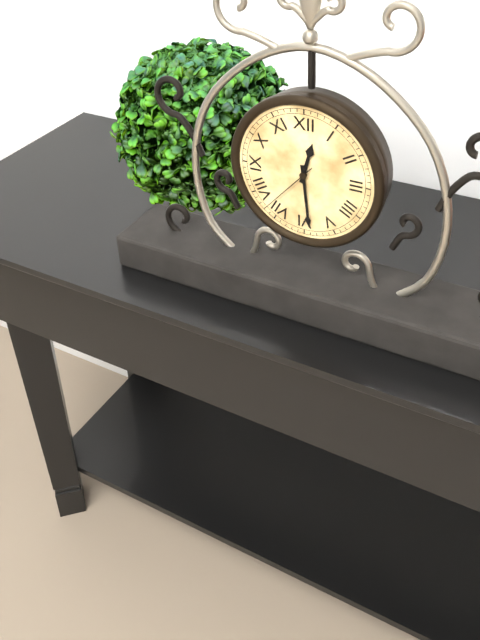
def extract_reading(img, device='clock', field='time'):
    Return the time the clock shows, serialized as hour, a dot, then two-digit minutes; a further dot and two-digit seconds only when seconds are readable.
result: 12.29.37
